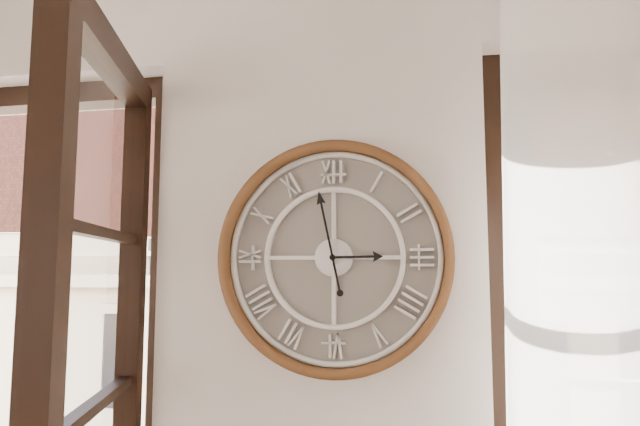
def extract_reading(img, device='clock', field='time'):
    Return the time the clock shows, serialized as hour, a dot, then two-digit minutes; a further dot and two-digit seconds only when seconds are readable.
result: 2.58
